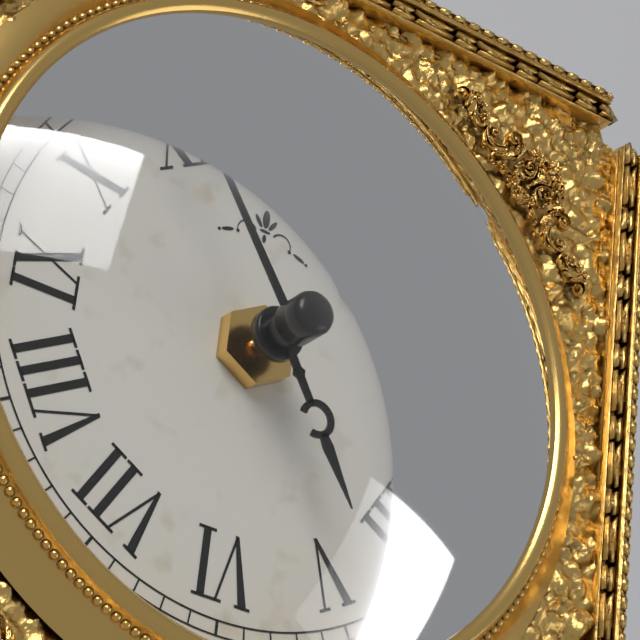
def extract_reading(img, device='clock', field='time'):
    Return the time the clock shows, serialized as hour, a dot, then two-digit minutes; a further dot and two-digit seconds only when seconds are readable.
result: 4.54
